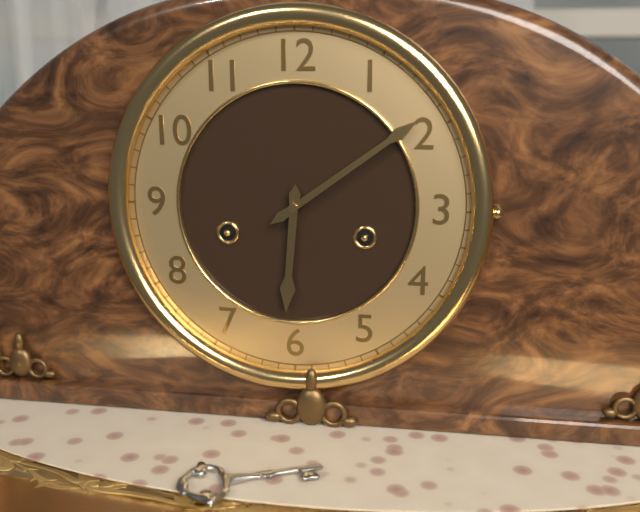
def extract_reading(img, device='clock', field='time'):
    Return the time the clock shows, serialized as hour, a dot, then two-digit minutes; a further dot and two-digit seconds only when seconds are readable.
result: 6.09
